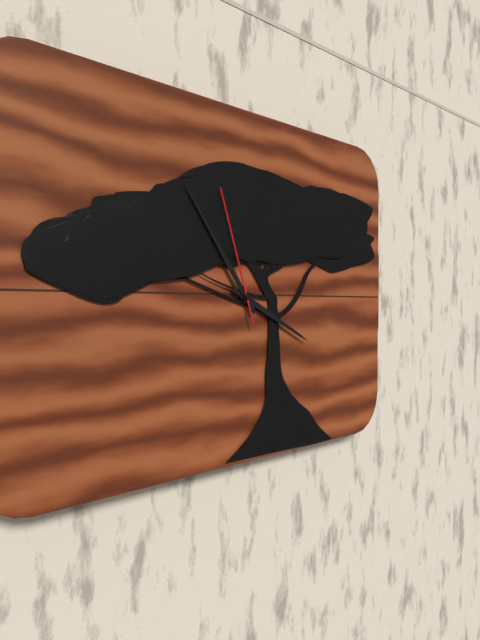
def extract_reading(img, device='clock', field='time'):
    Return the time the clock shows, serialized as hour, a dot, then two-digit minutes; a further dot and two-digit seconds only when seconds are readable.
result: 3.54.57
